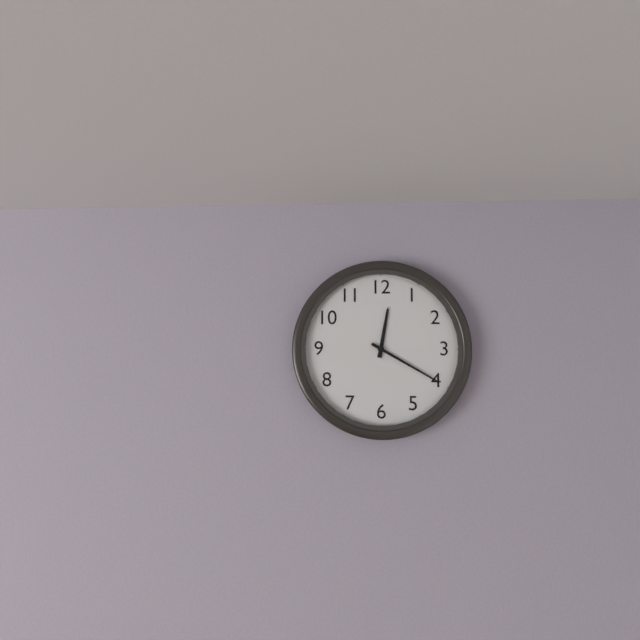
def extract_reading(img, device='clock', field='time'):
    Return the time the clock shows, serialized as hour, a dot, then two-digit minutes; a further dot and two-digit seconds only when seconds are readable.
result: 12.20
